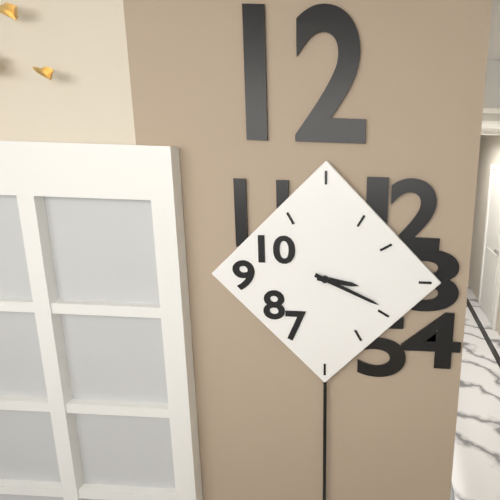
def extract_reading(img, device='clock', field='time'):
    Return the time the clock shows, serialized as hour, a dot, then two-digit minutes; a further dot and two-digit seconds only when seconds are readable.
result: 3.19
